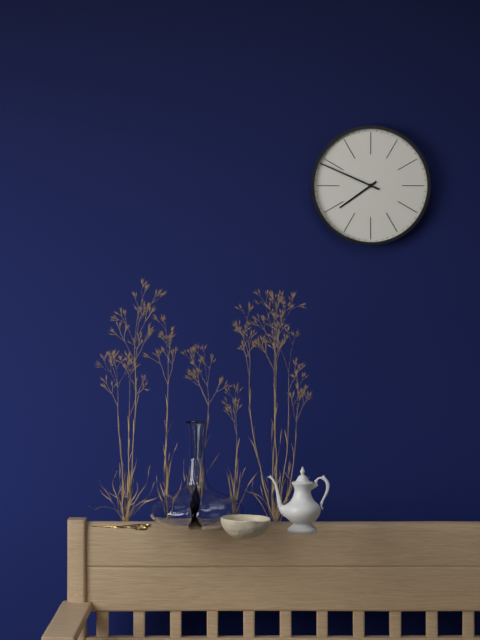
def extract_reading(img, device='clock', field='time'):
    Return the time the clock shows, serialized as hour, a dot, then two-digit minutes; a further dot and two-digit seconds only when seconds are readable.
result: 7.49
